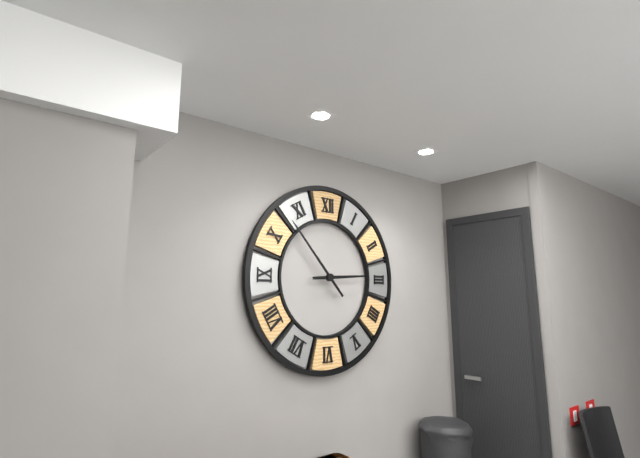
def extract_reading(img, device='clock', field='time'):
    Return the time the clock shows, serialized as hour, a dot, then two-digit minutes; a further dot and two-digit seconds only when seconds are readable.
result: 2.53
